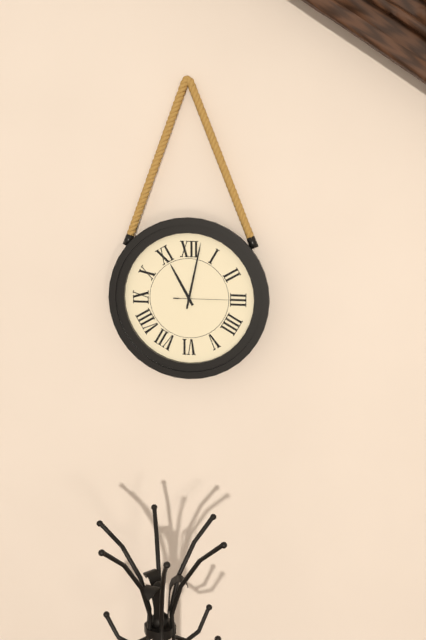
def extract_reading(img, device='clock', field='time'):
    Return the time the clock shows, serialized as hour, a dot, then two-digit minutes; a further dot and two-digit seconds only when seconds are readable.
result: 11.02.15
